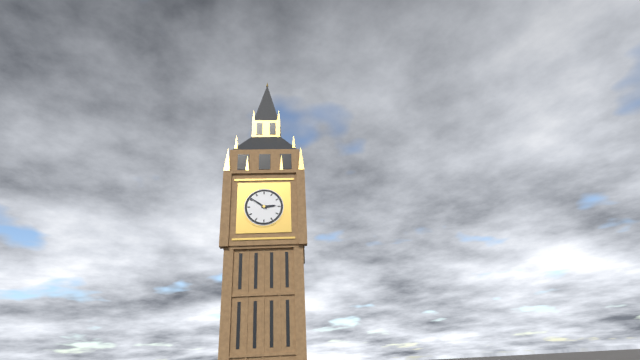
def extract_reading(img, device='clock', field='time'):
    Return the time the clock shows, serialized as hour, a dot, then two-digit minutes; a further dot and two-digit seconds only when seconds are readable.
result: 2.51
